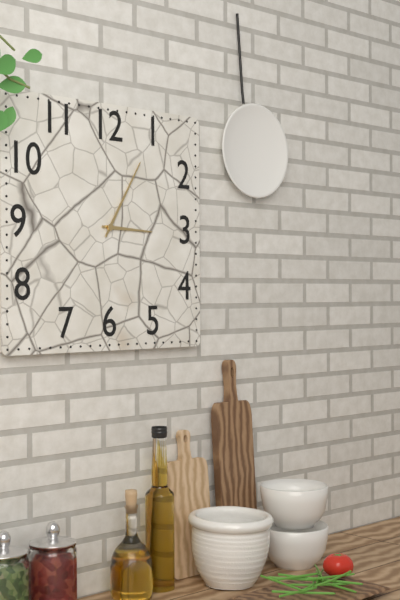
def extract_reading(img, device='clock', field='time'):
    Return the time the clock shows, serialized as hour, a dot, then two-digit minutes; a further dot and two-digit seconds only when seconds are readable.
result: 3.05
